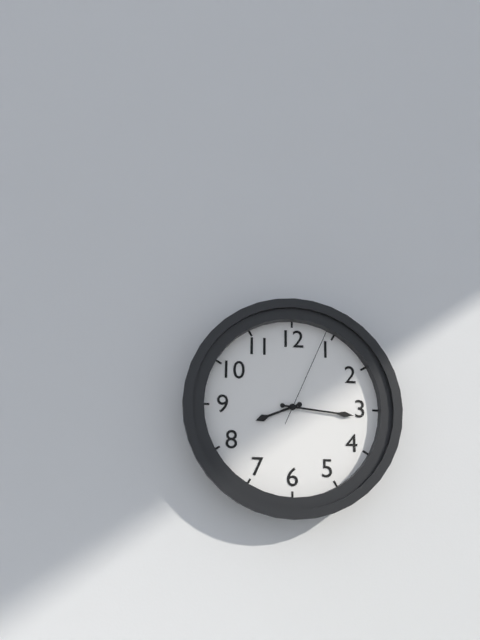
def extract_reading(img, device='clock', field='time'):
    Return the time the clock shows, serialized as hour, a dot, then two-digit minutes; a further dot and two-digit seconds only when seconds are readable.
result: 8.16.04
